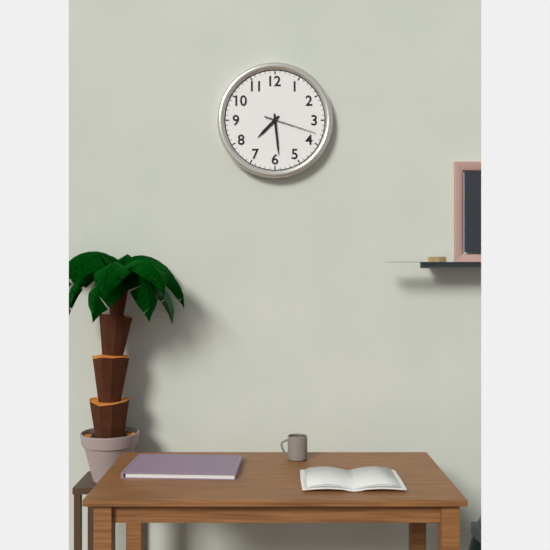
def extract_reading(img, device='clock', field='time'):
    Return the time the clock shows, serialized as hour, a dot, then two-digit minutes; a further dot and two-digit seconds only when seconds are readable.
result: 7.29.18
